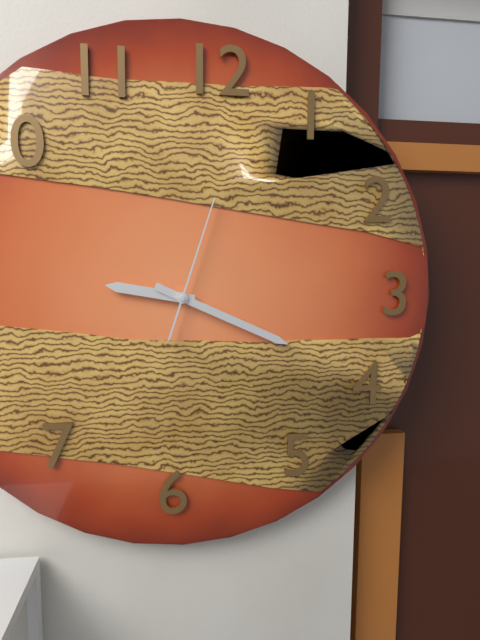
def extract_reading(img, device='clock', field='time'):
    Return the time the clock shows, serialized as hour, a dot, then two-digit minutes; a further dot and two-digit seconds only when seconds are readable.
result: 9.19.03
